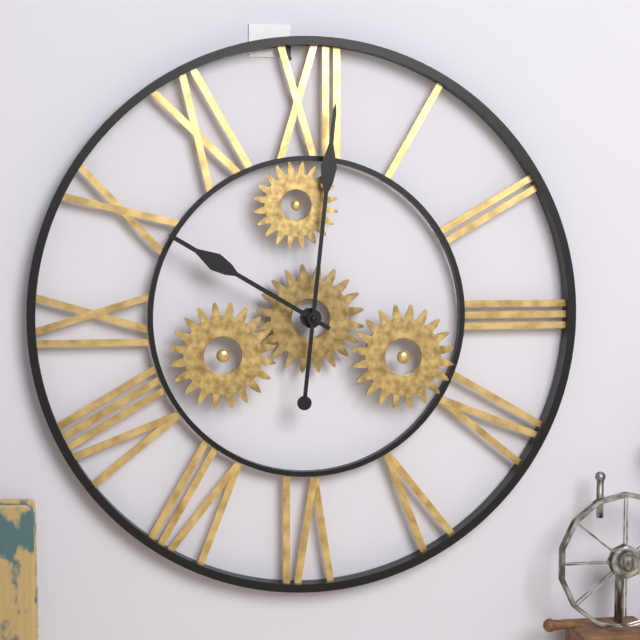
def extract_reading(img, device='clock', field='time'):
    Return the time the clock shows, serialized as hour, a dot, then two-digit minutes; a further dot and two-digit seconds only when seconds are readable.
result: 10.01
